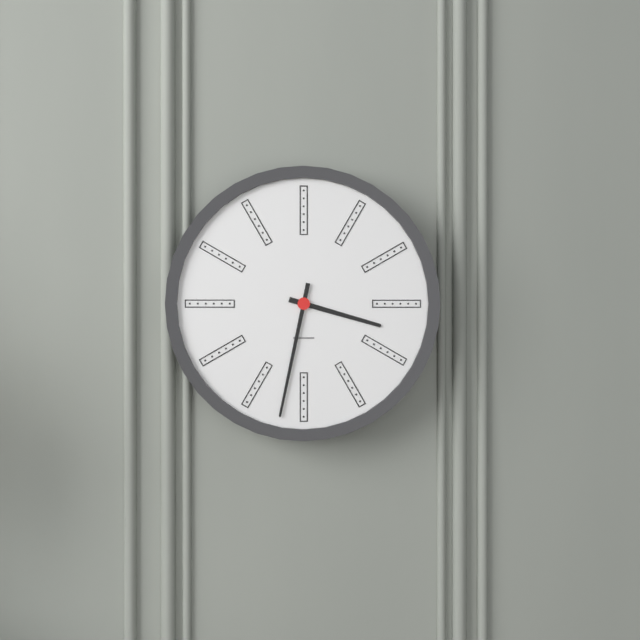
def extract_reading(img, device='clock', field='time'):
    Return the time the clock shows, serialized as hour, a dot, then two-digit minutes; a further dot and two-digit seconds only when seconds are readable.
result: 3.32
